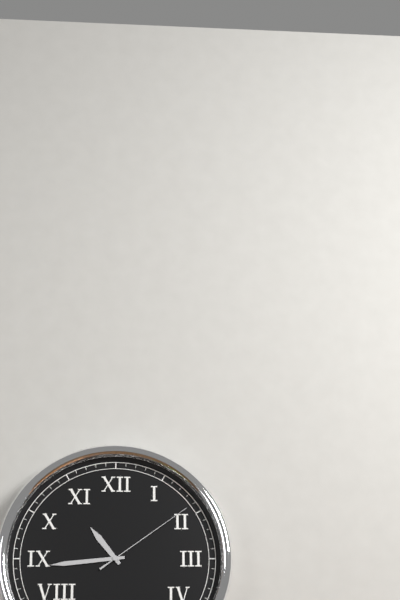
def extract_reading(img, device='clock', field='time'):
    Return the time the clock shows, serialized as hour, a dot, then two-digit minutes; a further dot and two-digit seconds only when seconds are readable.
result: 10.44.09
